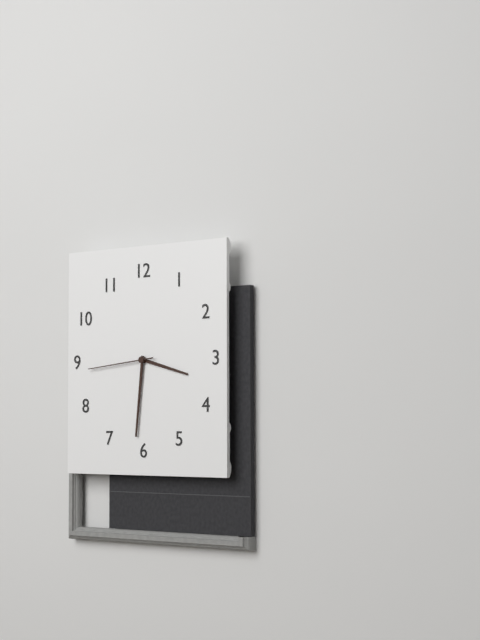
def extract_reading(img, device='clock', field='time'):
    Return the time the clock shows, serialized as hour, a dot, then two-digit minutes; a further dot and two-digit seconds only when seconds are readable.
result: 3.31.44
